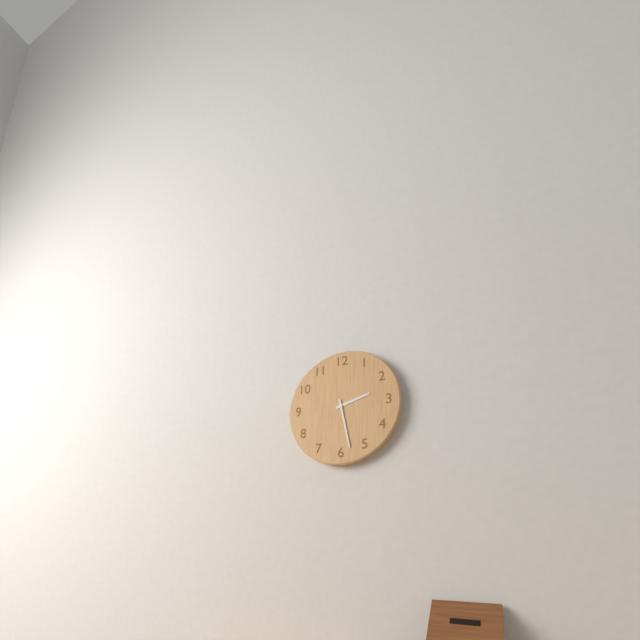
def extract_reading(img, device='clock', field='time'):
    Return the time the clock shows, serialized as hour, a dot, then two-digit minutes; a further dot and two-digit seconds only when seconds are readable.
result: 2.28
